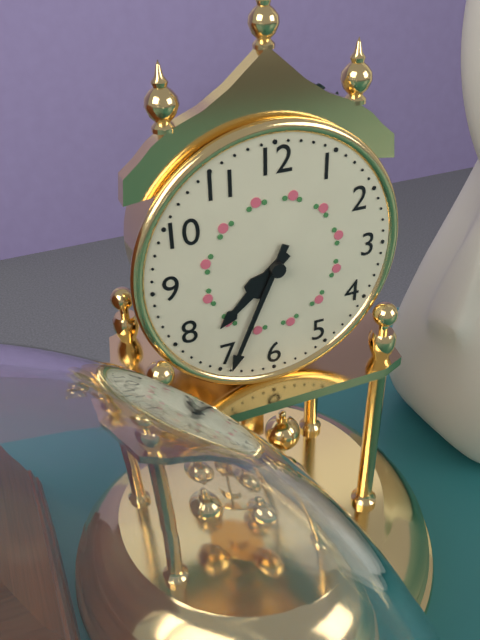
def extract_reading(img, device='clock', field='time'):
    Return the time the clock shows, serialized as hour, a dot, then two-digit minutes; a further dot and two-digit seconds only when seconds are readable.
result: 7.34
